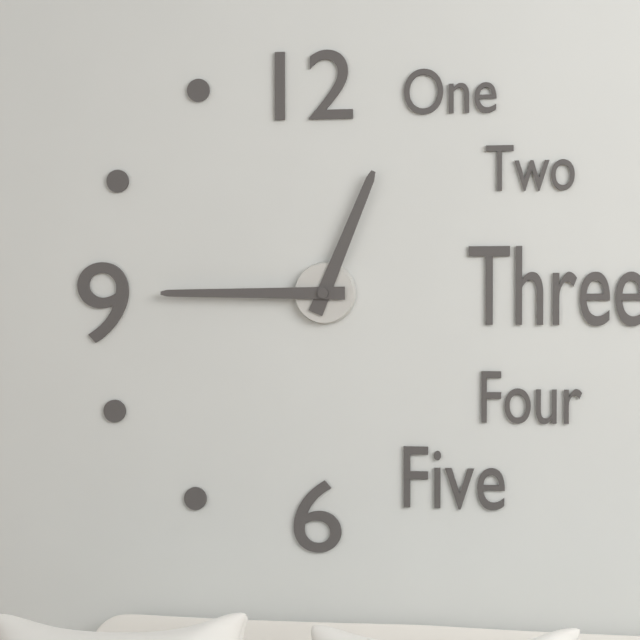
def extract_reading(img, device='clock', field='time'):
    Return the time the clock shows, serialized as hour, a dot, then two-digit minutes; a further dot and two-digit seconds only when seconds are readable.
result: 12.45
